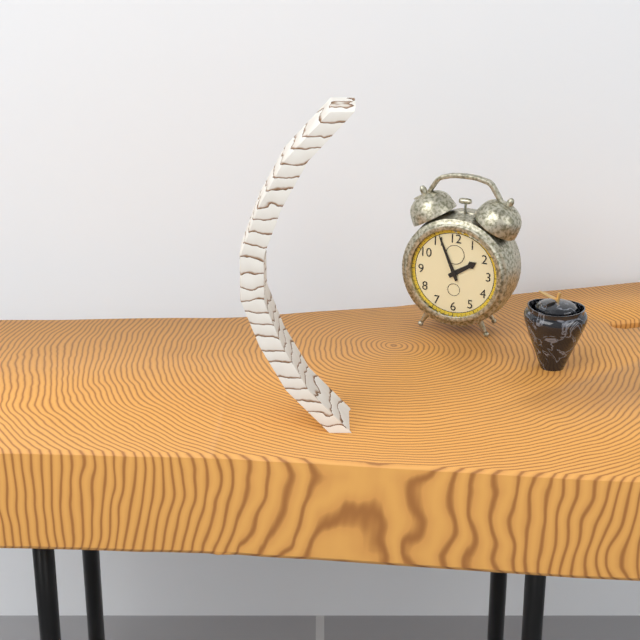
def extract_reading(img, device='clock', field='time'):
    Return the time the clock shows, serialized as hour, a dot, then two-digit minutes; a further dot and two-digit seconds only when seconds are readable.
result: 1.56
